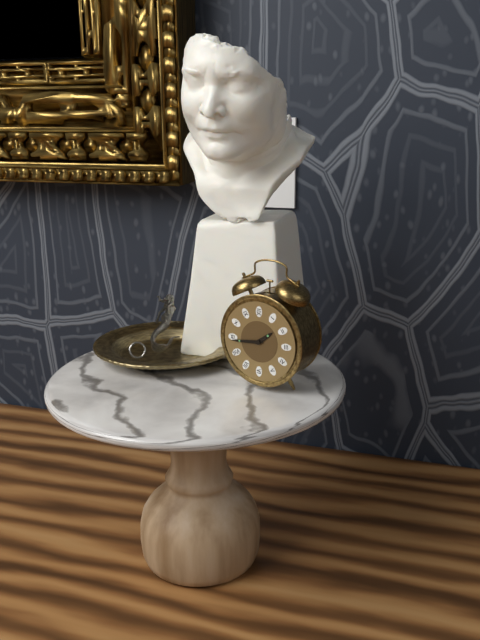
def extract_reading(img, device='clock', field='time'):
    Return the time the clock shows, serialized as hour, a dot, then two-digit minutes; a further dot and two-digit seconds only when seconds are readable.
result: 1.44
